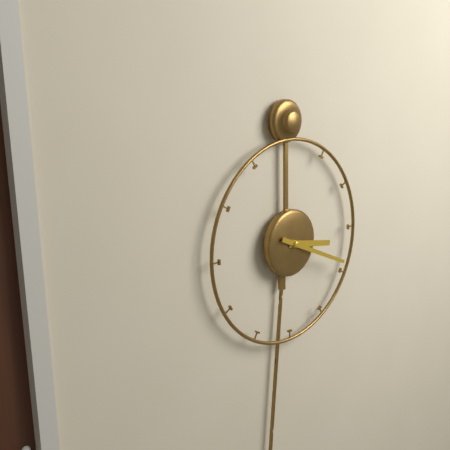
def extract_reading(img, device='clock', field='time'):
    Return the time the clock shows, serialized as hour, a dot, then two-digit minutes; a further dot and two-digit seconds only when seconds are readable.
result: 3.19
